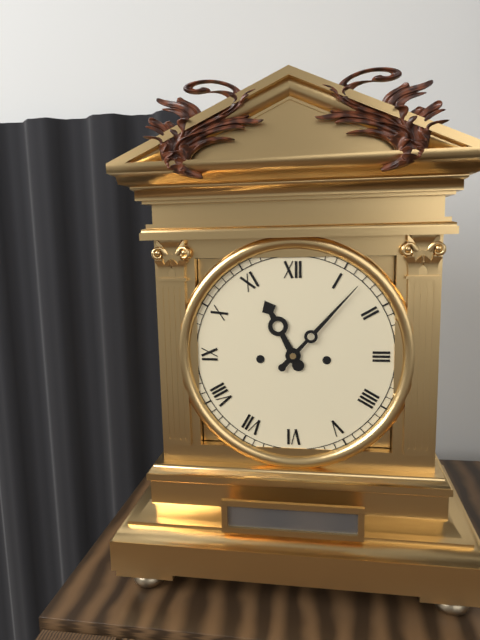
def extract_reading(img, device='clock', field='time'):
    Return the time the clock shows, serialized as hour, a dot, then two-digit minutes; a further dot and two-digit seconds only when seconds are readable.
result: 11.07
